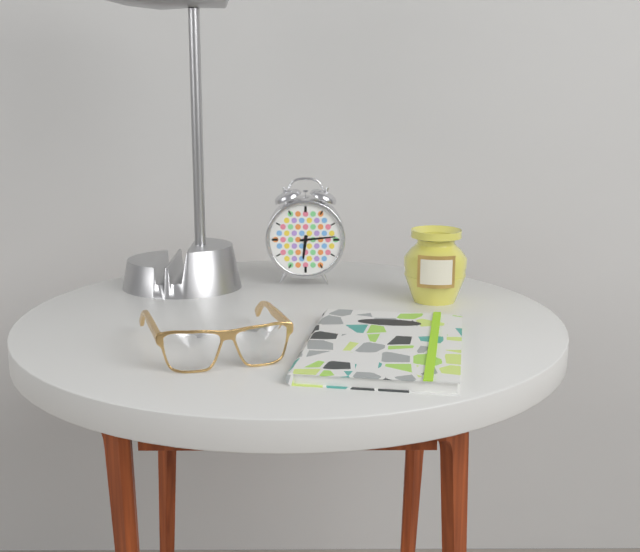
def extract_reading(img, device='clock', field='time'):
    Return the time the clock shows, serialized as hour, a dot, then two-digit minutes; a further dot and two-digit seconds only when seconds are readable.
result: 6.14
